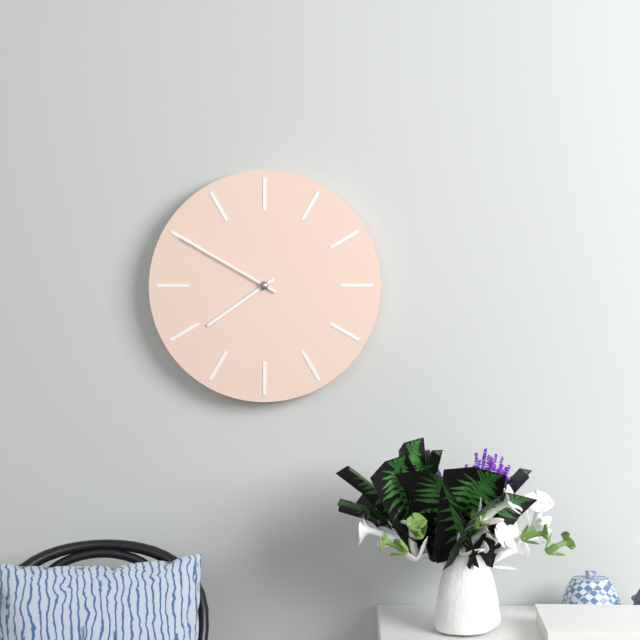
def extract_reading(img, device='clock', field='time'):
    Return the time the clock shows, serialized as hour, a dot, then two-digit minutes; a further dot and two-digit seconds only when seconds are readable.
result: 7.50
